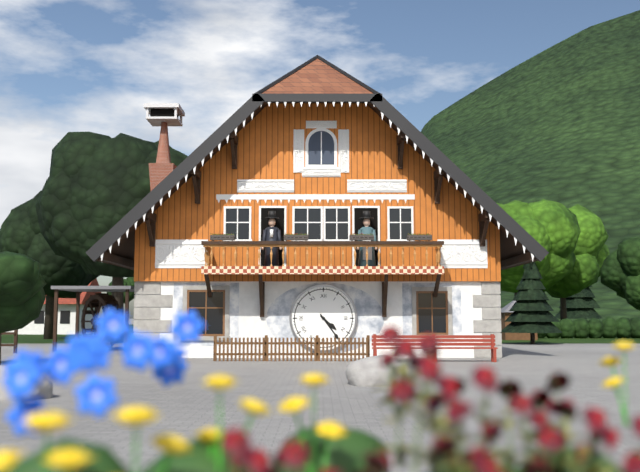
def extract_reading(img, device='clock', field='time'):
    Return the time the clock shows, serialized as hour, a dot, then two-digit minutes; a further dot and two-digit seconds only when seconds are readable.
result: 4.24
